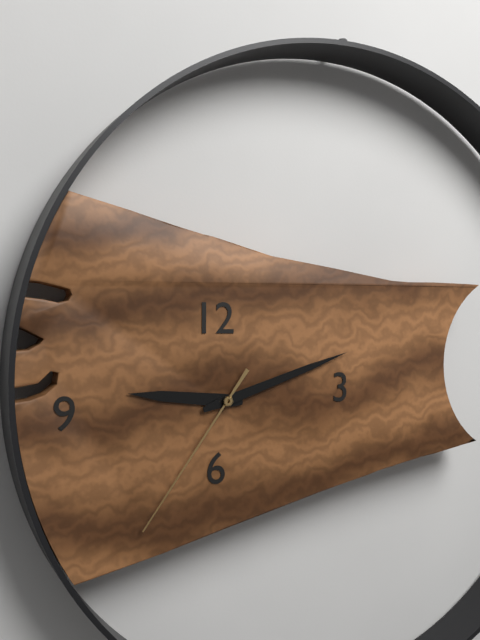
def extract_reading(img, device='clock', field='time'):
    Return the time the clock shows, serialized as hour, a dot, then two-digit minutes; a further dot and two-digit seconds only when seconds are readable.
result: 9.12.36
